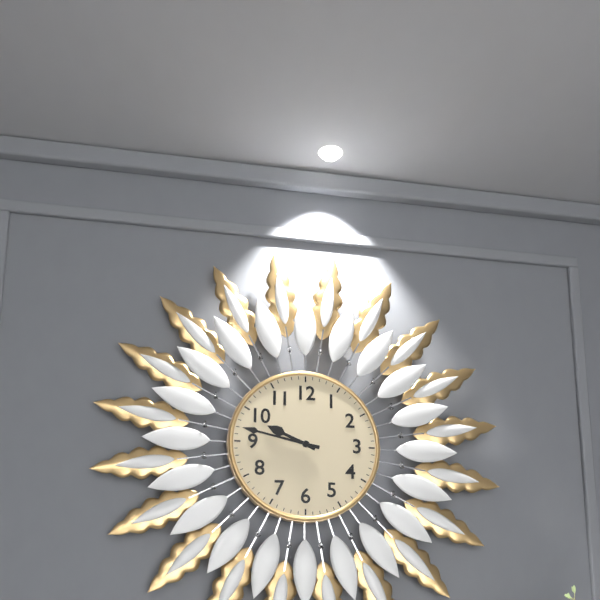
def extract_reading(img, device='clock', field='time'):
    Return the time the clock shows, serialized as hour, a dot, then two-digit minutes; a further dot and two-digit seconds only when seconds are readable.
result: 9.47
